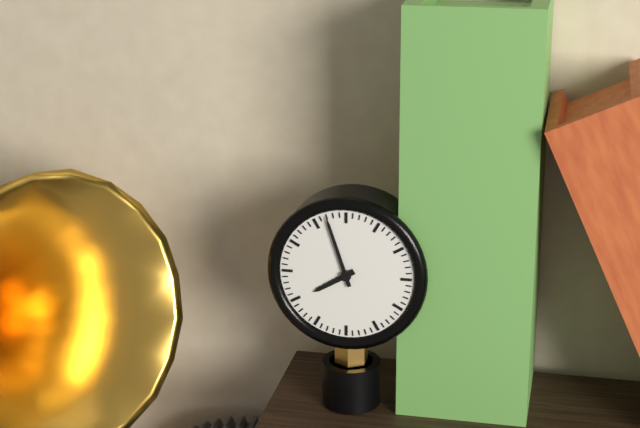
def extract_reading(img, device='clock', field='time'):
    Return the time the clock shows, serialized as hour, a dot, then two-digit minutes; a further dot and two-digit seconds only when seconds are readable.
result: 7.57
